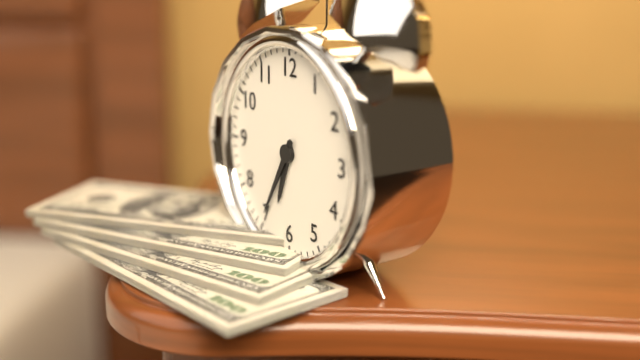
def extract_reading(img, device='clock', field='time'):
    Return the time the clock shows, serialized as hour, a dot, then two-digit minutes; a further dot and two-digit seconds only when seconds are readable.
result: 6.35
